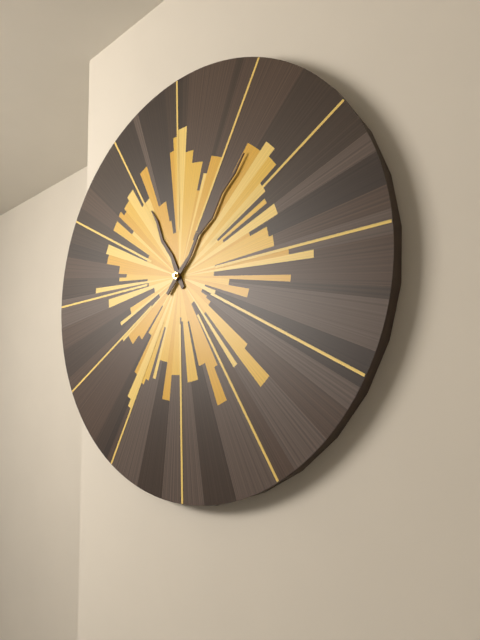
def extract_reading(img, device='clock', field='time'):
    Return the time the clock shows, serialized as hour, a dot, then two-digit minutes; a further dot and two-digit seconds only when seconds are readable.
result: 11.07
